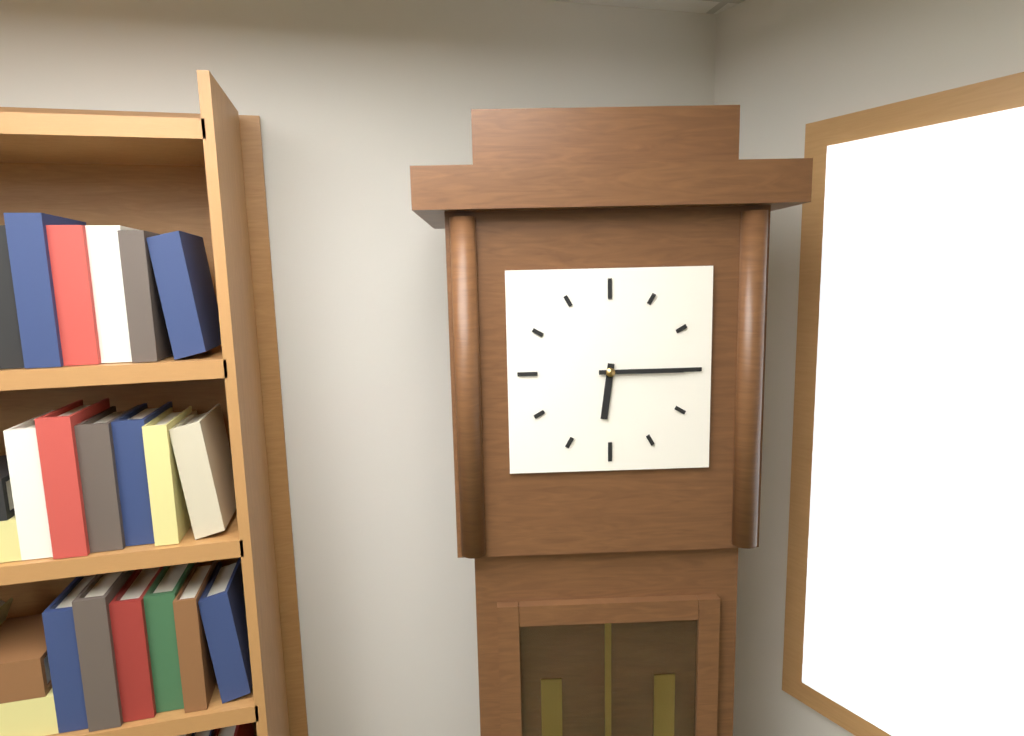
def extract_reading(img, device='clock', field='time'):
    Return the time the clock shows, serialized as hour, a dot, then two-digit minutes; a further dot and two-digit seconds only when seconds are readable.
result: 6.15
